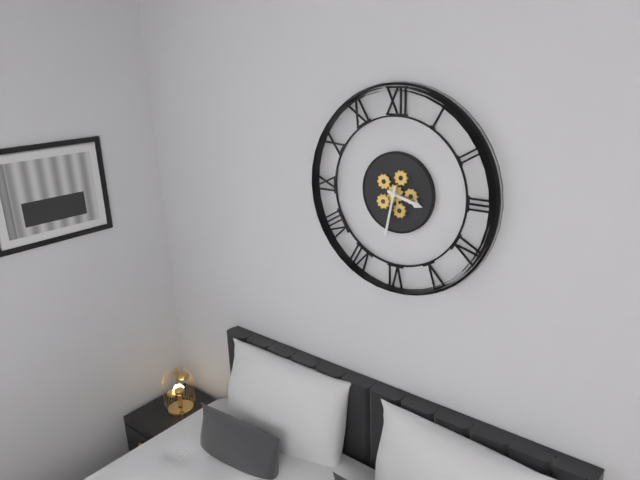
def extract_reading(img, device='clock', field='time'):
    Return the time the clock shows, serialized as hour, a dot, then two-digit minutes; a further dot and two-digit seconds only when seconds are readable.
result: 3.32
